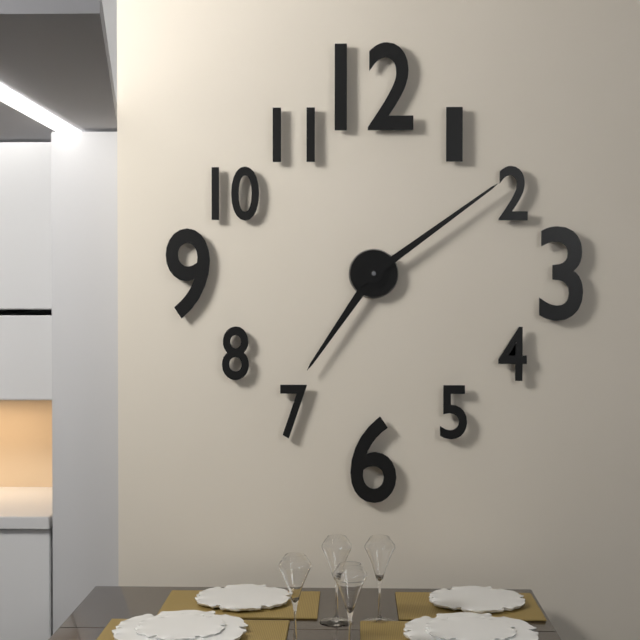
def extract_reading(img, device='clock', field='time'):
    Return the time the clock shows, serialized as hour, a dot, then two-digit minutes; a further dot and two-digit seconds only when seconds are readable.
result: 7.09
